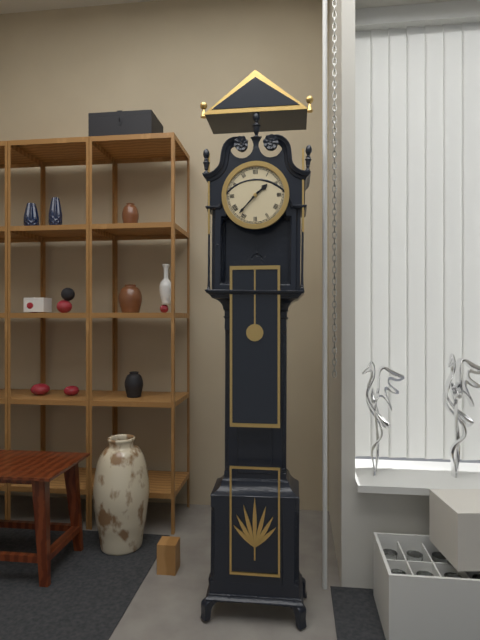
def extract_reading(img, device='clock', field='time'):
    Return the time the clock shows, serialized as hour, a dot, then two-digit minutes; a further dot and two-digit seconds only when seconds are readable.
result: 1.37
